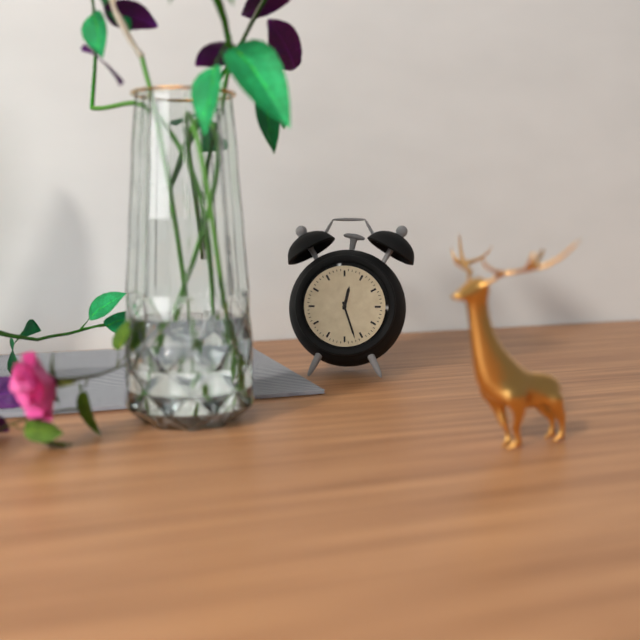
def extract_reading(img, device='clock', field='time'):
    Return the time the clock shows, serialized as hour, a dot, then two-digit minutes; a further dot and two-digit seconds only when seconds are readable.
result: 12.27
